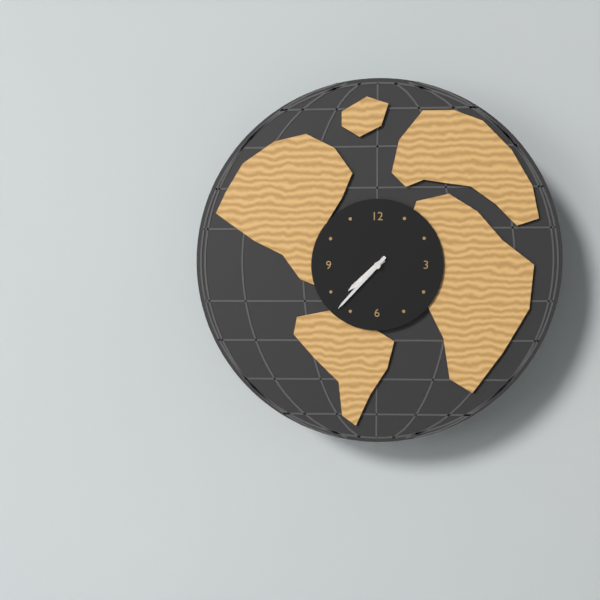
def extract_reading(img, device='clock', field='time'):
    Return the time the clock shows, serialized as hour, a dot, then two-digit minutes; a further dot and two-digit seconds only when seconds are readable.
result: 7.37
